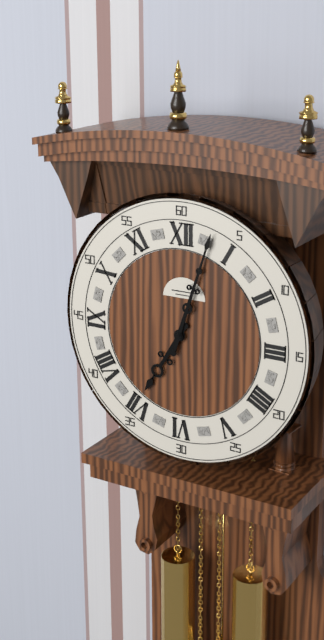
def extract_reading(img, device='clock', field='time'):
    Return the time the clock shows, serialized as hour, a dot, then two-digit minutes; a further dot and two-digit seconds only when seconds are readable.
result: 7.03
